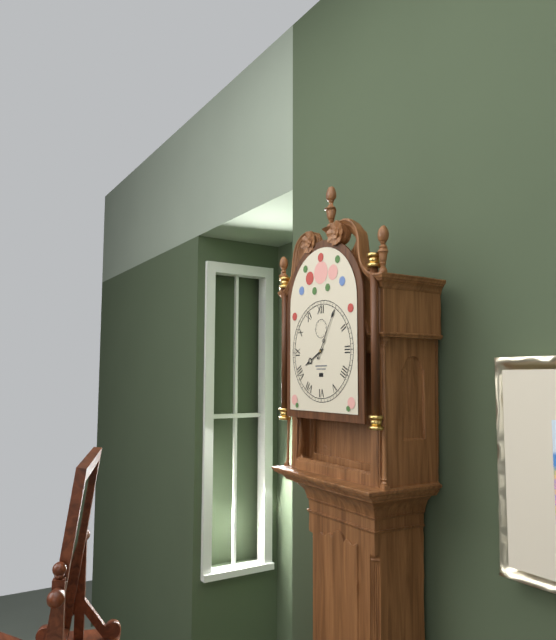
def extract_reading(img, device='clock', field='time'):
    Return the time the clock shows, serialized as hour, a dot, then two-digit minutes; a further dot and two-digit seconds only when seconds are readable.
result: 8.05
